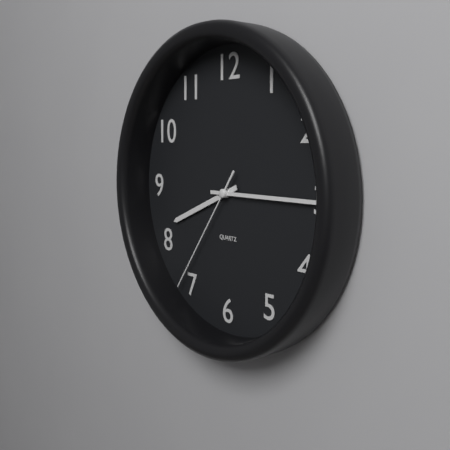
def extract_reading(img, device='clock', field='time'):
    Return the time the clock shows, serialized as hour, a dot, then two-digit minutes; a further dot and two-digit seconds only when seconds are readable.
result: 8.15.36
